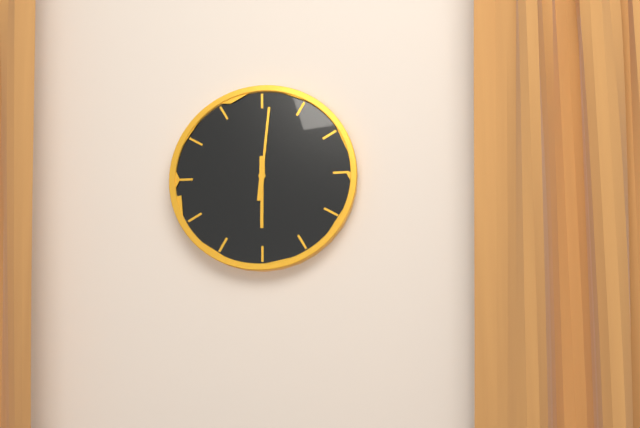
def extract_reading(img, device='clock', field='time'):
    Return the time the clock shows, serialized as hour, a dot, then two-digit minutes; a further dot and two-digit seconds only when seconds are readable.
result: 6.01
